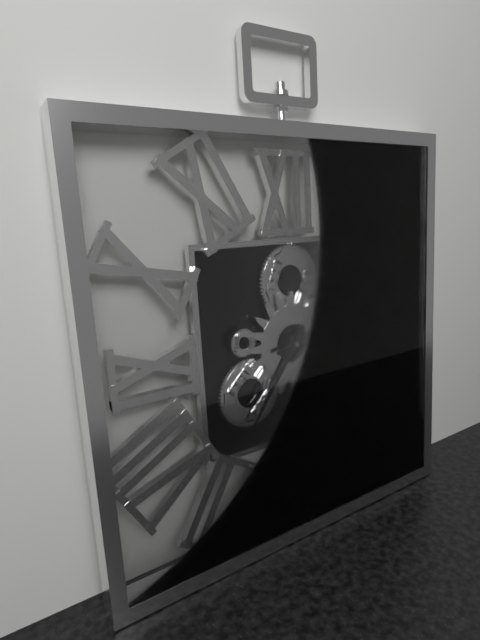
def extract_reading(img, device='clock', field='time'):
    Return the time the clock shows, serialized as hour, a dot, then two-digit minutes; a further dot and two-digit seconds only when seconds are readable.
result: 7.13
